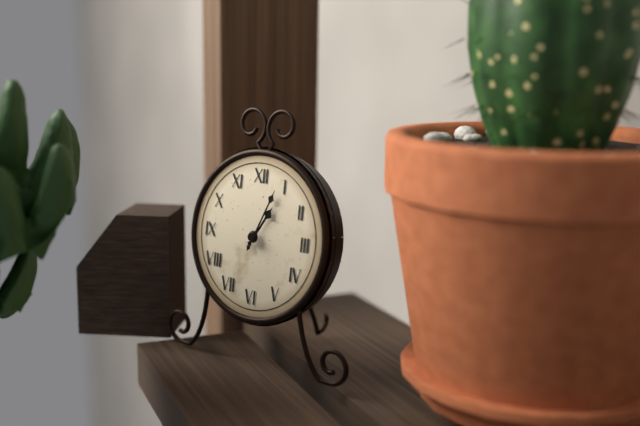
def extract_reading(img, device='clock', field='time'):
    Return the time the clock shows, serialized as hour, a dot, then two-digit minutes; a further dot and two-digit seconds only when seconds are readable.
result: 1.04
